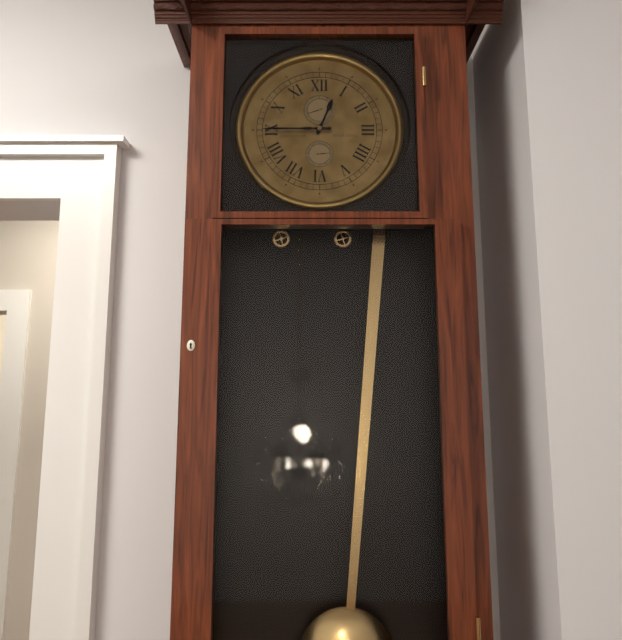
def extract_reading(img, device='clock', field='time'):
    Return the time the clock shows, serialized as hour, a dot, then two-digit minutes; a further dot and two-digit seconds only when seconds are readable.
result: 12.45
